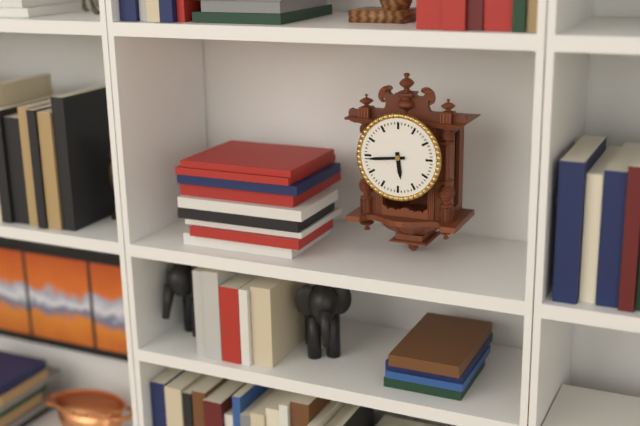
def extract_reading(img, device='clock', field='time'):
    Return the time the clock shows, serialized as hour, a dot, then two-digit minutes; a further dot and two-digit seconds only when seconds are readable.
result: 5.44
